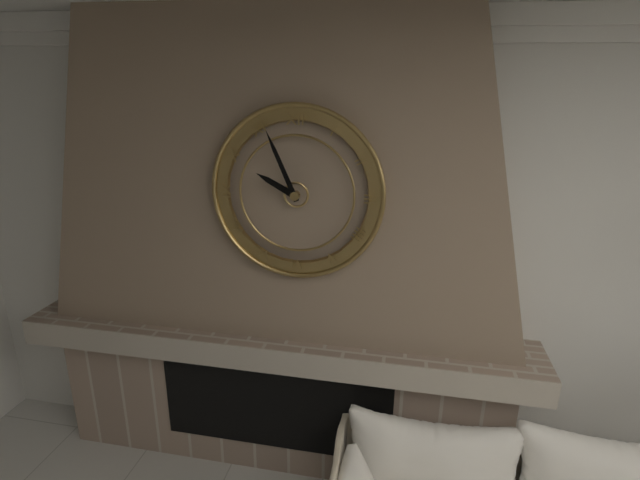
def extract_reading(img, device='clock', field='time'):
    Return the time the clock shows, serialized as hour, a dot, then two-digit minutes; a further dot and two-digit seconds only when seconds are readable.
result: 9.56
